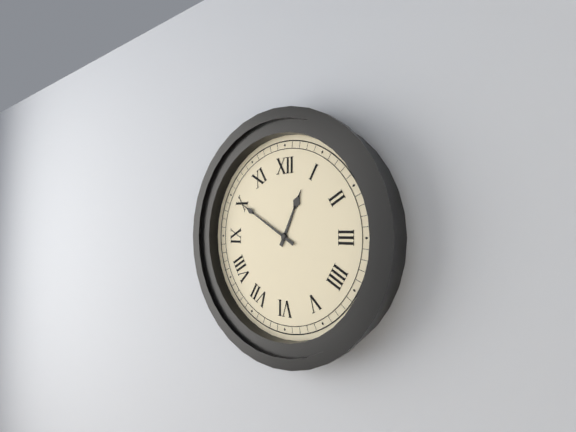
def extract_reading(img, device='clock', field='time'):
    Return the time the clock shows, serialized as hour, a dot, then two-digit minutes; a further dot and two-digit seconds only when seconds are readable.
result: 12.50
